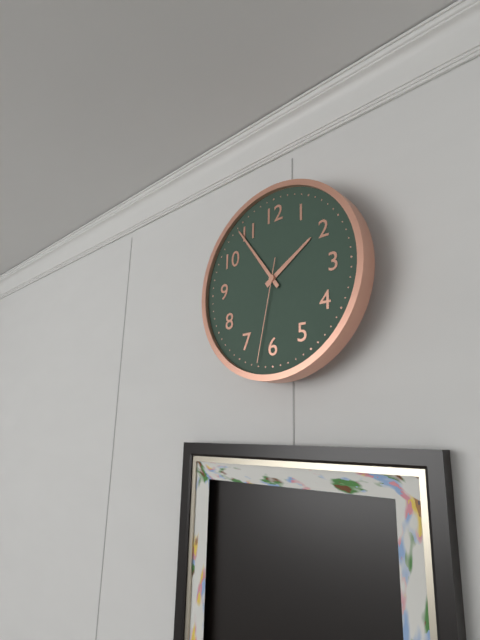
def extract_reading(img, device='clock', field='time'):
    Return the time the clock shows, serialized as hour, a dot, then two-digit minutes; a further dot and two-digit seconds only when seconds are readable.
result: 1.54.32
